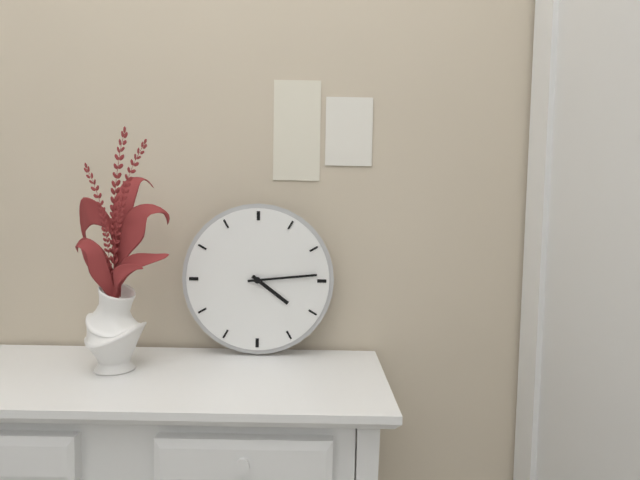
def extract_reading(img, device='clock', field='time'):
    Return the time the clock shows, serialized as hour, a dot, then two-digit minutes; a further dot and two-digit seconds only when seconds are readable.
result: 4.14
